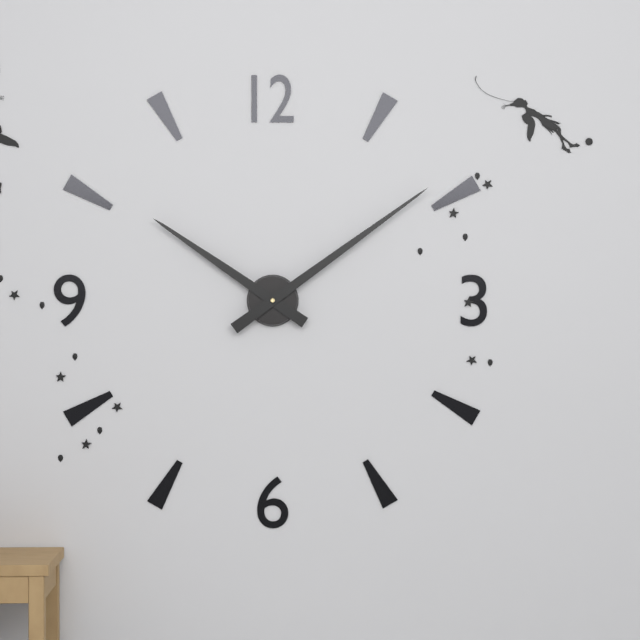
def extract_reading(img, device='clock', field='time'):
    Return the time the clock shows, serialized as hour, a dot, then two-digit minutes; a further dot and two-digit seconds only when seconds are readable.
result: 10.09
